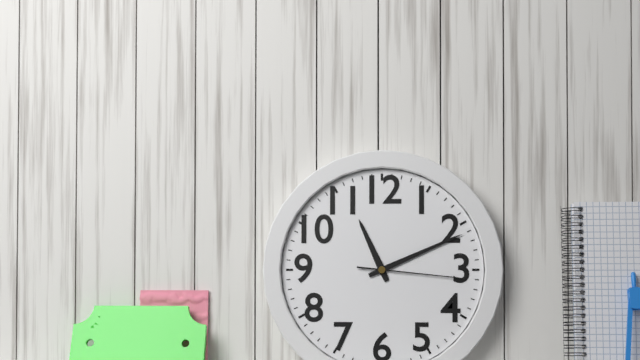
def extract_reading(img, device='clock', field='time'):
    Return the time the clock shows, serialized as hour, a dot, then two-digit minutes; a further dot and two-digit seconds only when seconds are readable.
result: 11.11.16
